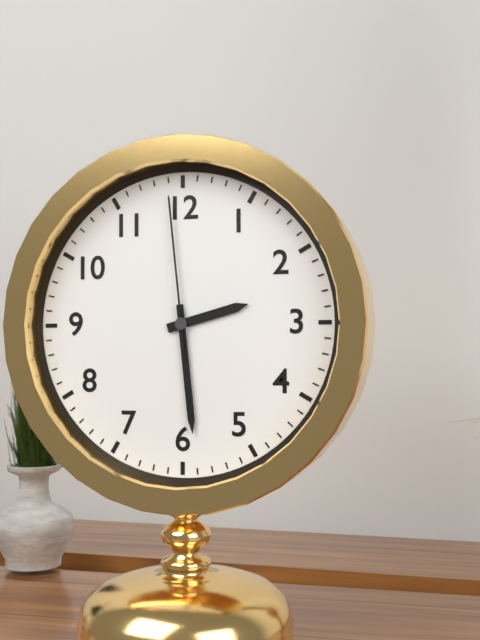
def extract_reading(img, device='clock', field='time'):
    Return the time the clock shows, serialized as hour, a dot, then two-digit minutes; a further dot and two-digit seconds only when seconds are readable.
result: 2.29.59
